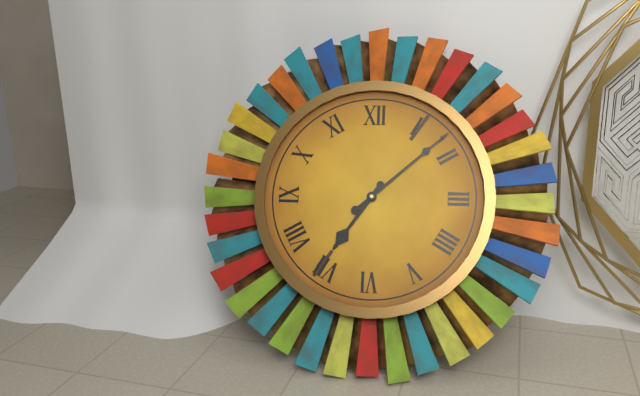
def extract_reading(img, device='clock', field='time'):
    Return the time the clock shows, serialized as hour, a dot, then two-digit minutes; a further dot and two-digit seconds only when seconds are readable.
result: 7.08
